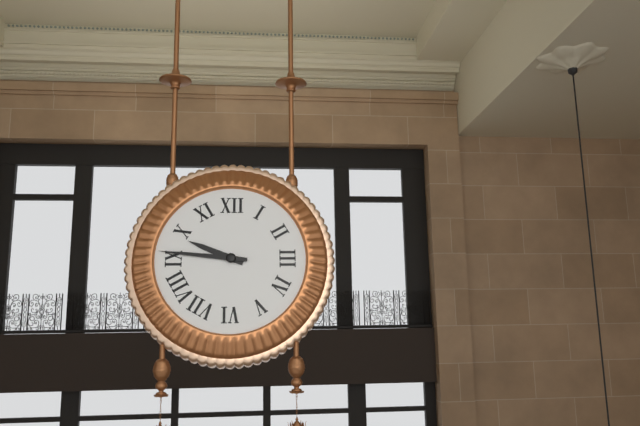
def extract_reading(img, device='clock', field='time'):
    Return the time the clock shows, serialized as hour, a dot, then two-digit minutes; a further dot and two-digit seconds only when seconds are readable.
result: 9.46
